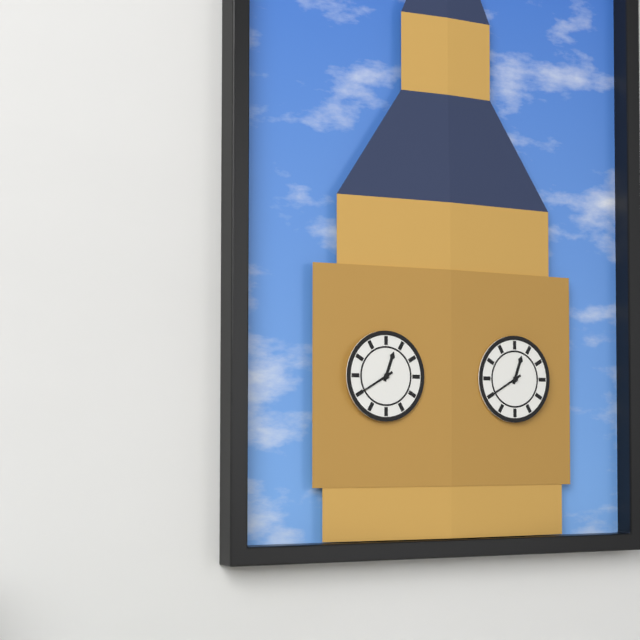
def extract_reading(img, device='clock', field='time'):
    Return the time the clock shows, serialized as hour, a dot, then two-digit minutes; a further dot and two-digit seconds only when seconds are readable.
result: 12.40
